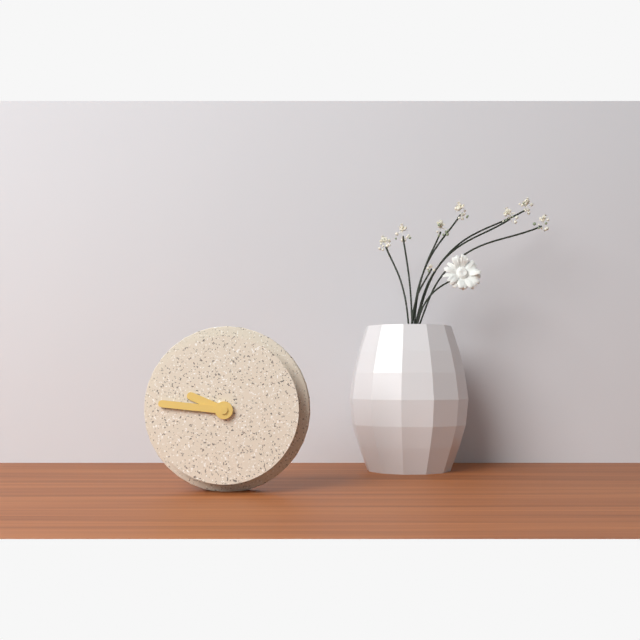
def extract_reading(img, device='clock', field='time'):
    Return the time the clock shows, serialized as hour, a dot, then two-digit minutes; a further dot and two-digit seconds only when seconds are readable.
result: 9.46
